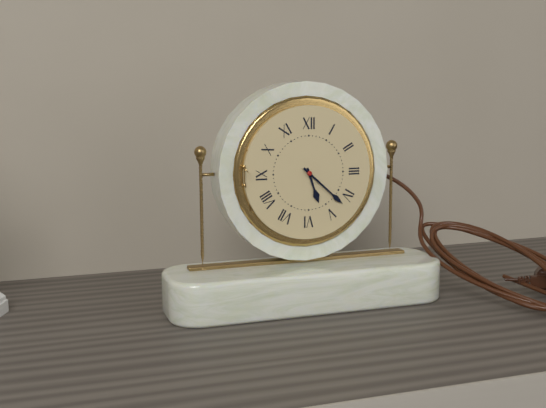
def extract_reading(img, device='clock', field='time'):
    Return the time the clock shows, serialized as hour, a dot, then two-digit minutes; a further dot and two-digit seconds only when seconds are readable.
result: 5.22
